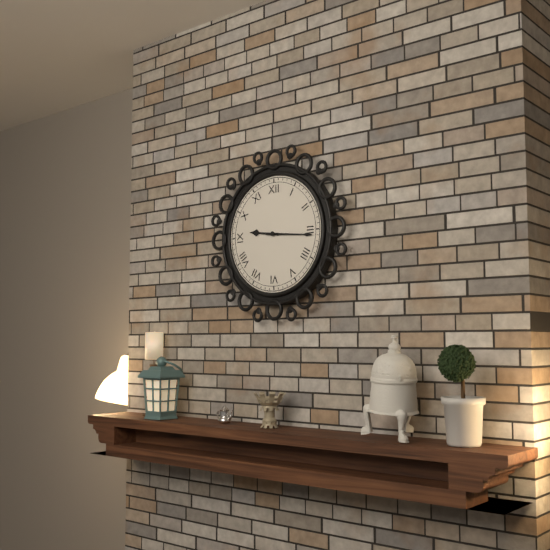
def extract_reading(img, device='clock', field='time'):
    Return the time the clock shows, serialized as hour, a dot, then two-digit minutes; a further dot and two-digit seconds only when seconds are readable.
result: 9.16
